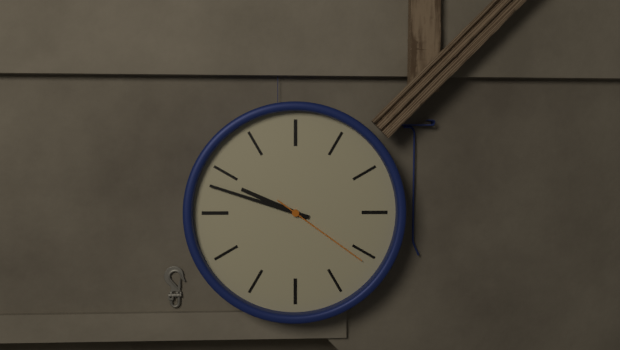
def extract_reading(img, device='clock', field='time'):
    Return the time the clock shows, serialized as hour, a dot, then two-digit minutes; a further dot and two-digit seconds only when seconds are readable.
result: 9.48.21
